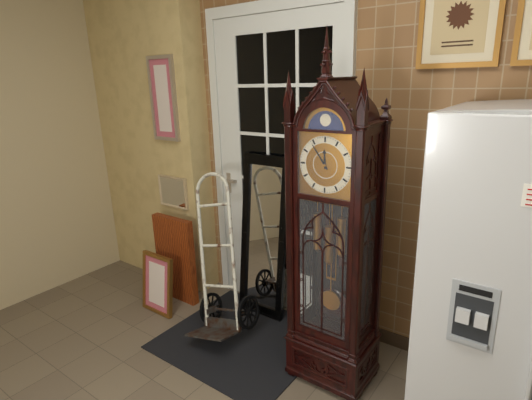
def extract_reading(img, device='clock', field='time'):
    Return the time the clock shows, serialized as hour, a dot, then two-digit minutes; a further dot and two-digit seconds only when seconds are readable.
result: 11.54
